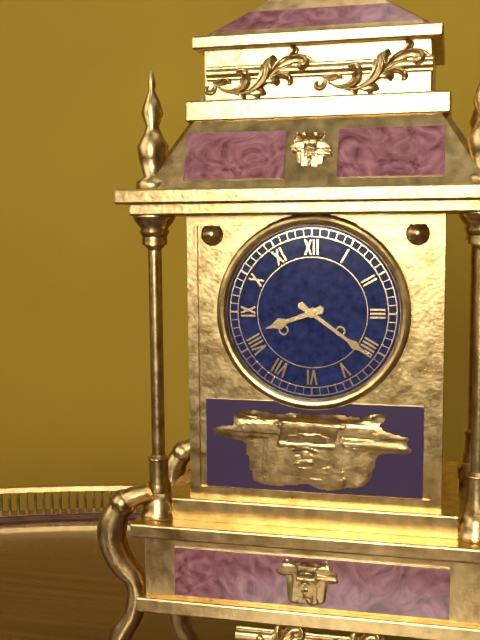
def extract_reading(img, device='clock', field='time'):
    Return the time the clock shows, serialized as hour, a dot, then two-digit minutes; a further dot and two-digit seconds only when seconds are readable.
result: 8.21
